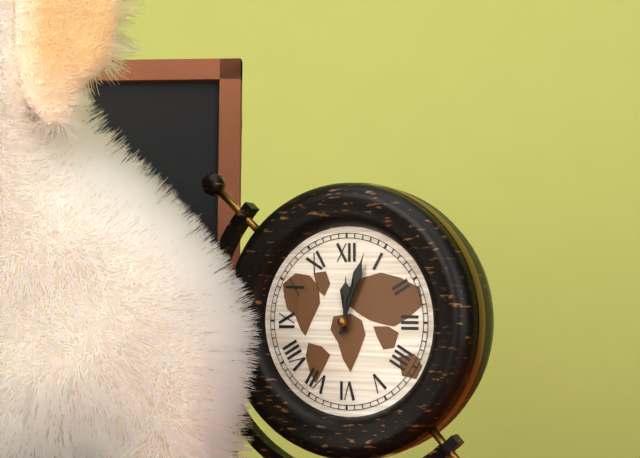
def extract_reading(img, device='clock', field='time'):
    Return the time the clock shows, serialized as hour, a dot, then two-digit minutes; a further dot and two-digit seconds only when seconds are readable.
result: 12.03
